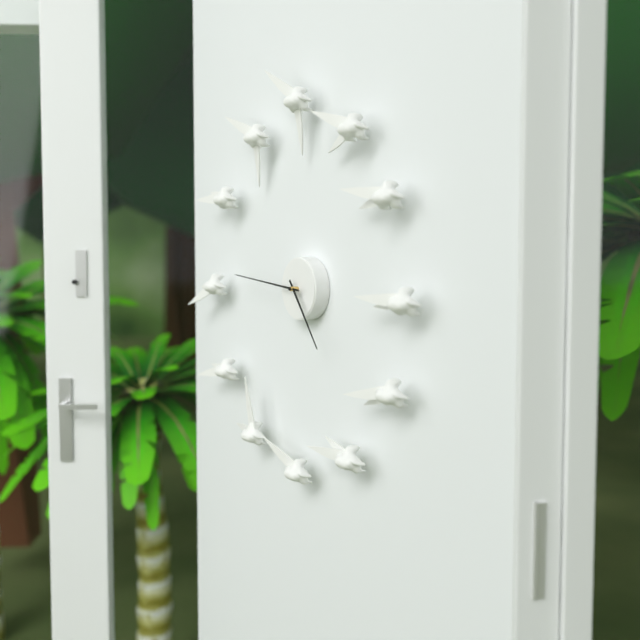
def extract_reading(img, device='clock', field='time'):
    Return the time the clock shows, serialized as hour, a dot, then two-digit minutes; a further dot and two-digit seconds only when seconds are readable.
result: 4.46
